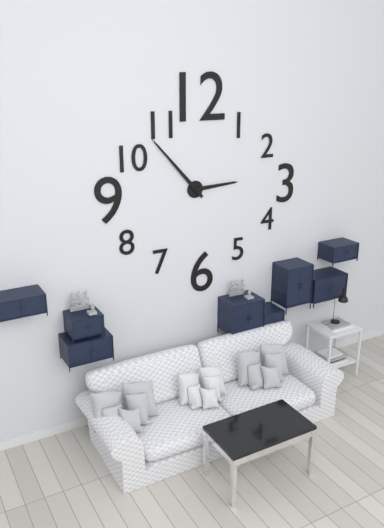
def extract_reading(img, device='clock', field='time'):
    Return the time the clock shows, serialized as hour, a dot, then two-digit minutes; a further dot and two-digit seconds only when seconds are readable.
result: 2.53
